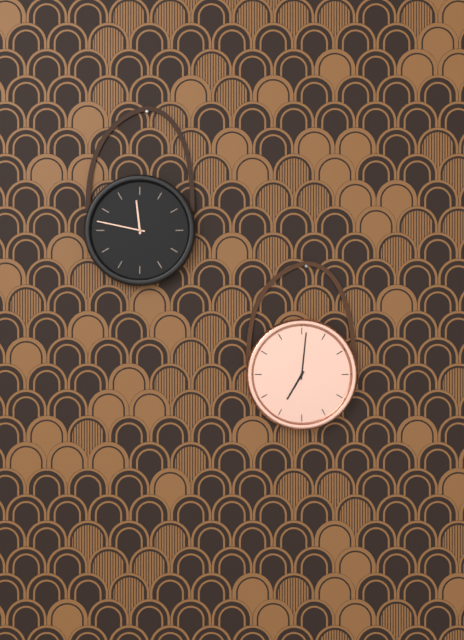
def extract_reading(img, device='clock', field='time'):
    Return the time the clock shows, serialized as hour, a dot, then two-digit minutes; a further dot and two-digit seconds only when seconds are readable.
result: 7.01
